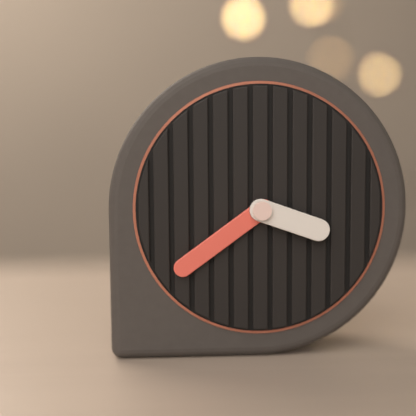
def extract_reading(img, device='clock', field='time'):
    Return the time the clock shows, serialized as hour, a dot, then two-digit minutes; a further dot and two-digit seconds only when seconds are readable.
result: 3.39
